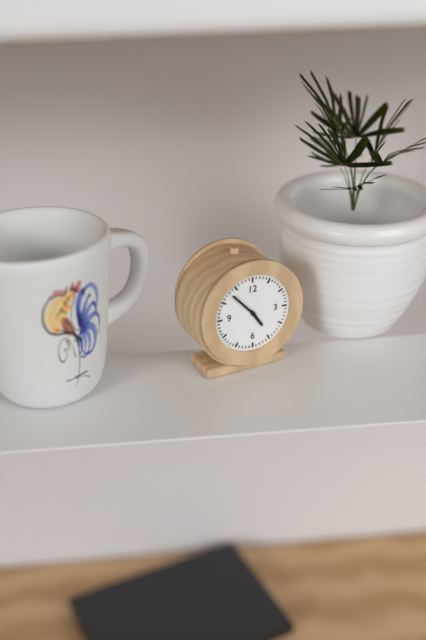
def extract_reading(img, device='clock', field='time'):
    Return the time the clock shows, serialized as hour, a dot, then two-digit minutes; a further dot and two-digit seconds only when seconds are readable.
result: 4.53
